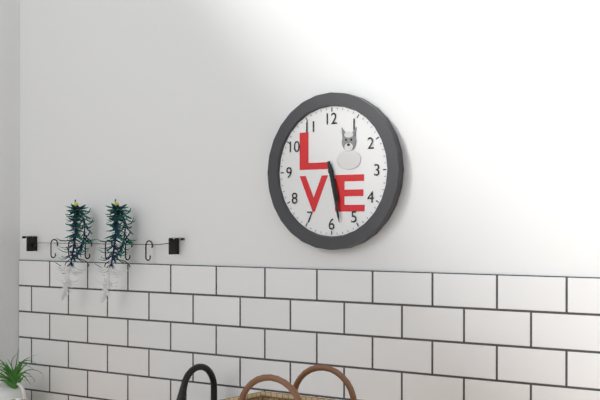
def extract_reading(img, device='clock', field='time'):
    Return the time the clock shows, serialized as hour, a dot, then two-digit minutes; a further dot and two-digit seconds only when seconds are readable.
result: 5.28
